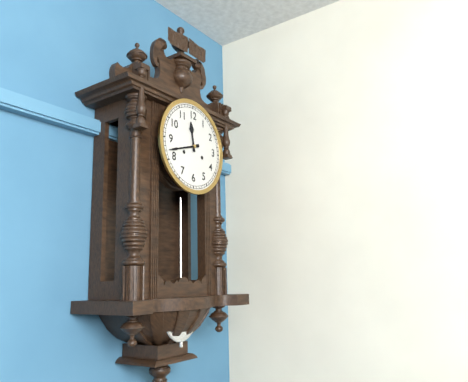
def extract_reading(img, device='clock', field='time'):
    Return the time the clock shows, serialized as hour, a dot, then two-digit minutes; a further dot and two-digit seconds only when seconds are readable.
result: 11.42
